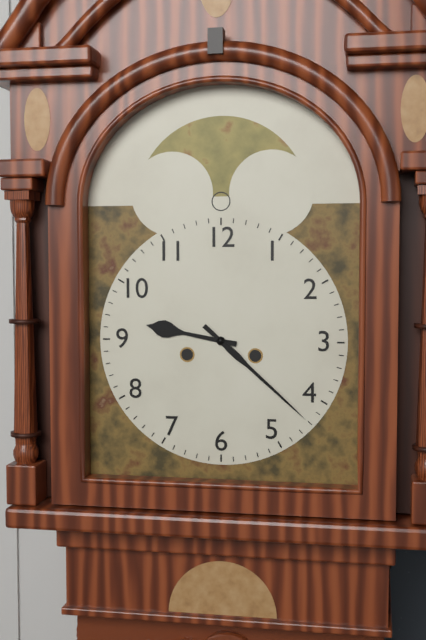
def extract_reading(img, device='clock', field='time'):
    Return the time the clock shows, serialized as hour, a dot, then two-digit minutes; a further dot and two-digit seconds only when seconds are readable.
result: 9.22
